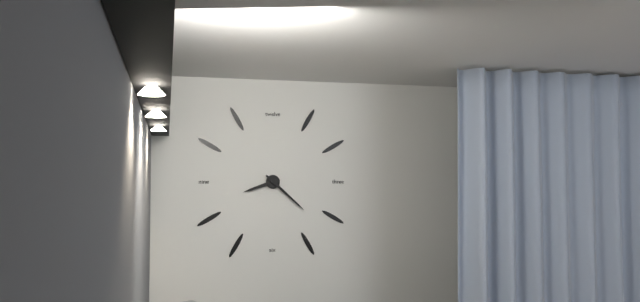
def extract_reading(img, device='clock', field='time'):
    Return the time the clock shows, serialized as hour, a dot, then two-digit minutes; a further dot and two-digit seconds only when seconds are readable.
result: 8.22
